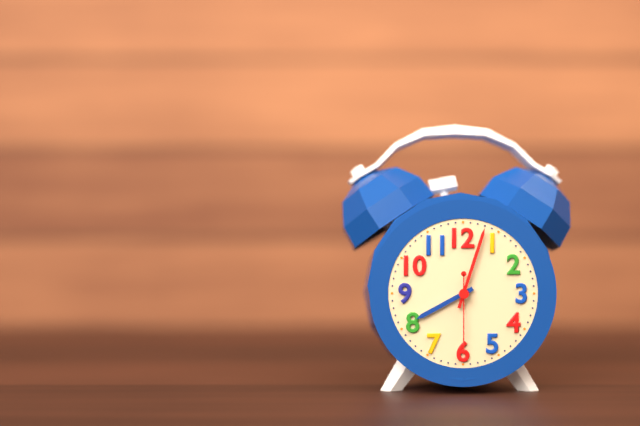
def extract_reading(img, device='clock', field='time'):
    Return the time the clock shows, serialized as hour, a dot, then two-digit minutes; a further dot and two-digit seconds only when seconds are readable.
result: 8.03.30
